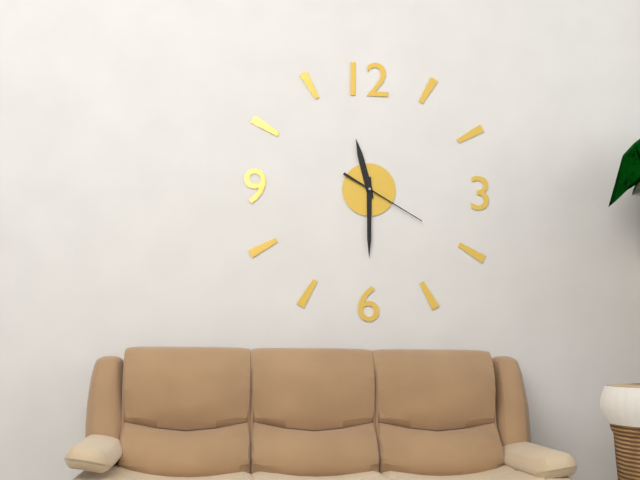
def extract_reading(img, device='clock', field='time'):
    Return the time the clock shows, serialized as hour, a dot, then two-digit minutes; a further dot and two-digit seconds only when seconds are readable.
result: 11.30.20
